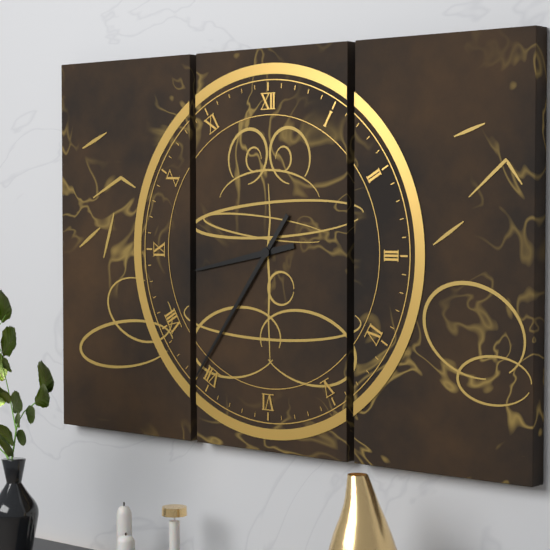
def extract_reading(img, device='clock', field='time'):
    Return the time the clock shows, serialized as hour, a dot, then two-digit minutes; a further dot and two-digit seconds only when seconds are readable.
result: 8.36
